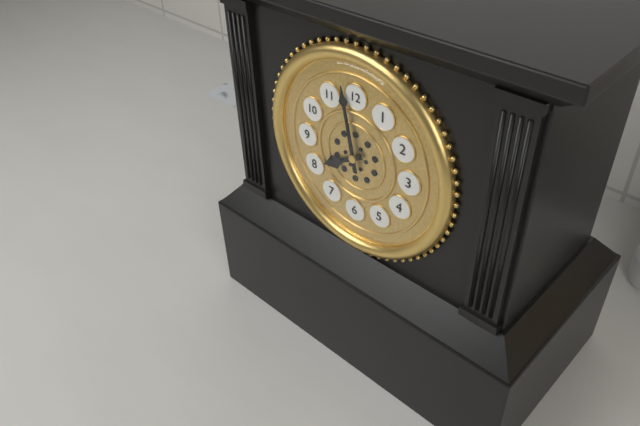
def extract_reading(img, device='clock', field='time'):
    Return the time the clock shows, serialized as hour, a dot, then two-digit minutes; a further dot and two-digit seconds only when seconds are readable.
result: 7.58
